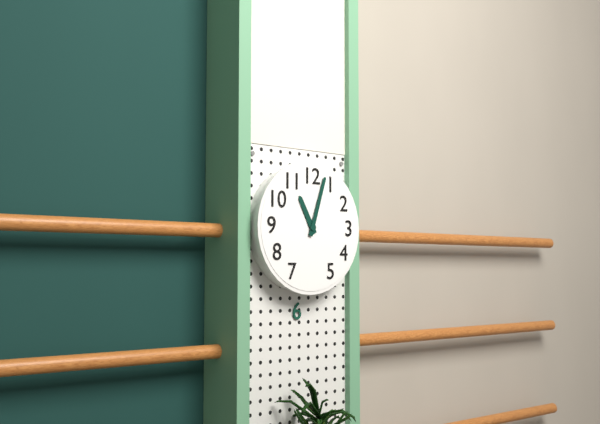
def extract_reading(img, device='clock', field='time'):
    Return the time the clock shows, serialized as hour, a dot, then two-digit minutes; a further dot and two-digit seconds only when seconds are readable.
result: 11.03
